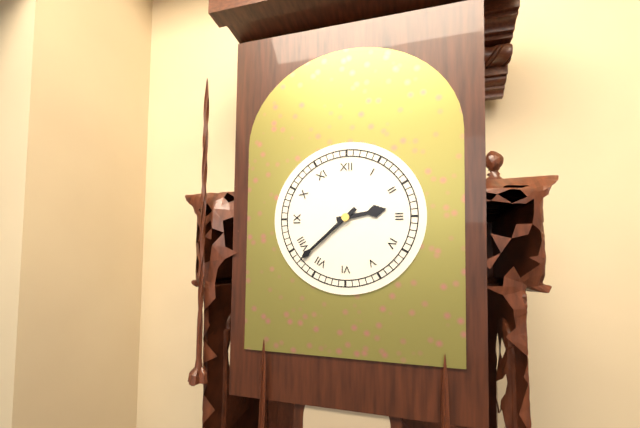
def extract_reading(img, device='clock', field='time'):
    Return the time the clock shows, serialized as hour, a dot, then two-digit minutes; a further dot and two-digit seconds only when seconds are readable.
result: 2.38
